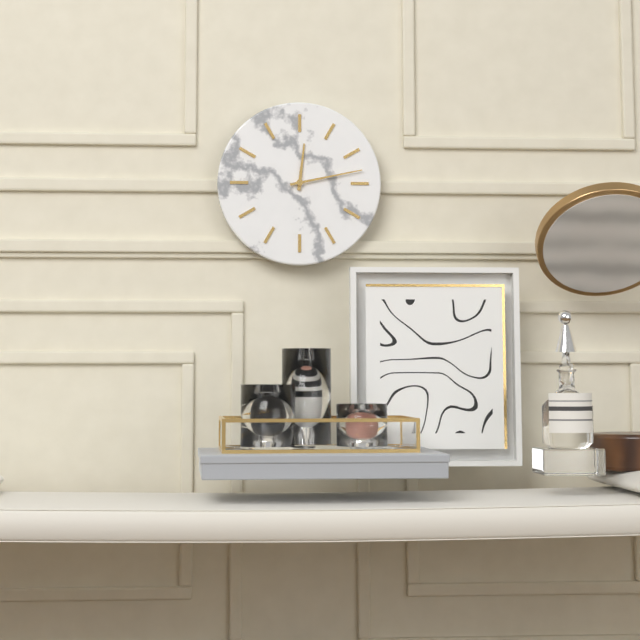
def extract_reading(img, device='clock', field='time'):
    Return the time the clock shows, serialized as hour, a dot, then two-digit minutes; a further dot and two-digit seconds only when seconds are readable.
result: 12.13
